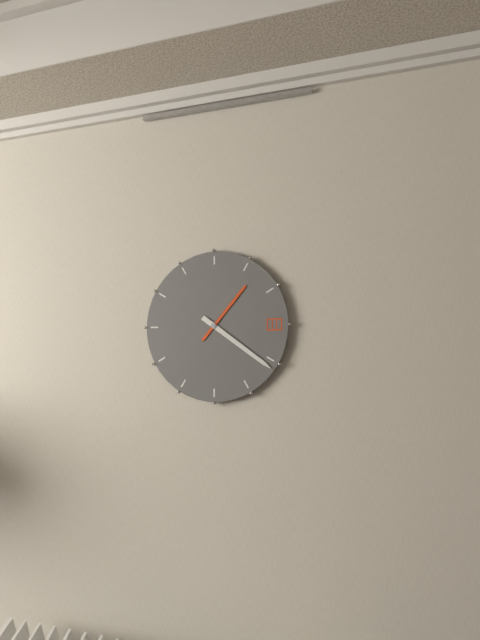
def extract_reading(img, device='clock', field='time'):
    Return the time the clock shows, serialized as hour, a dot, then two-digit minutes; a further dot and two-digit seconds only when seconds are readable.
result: 1.21
